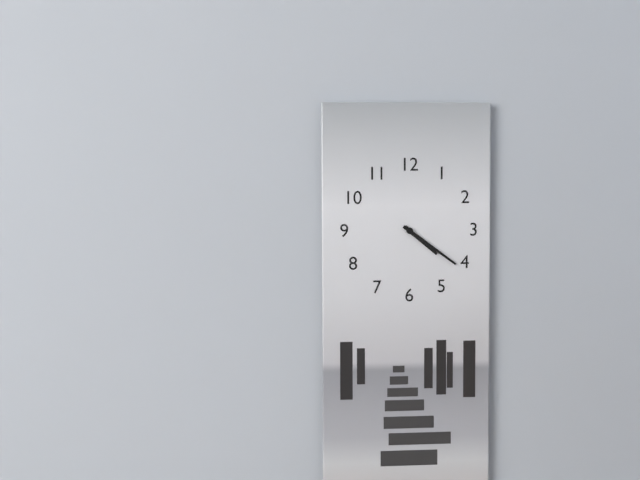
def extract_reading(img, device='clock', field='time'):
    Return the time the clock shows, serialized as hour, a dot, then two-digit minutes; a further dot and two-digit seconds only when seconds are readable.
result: 4.21
